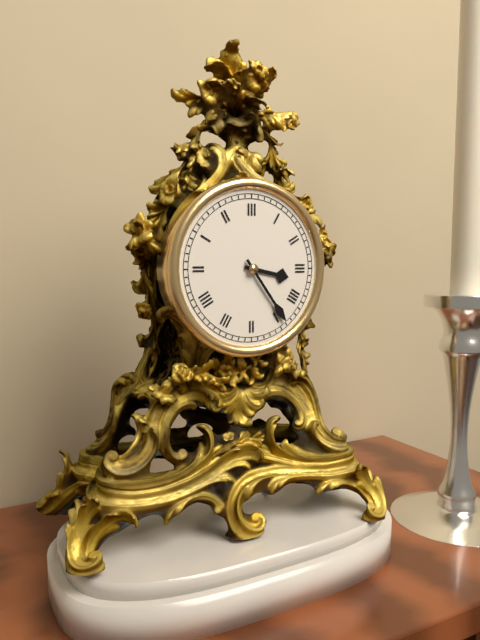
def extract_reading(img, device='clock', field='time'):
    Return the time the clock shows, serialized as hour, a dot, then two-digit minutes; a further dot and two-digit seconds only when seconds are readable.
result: 3.24
